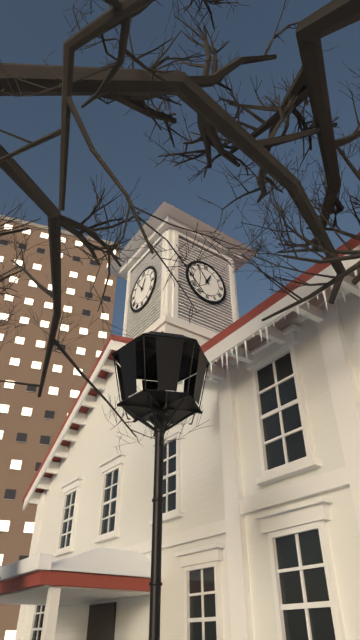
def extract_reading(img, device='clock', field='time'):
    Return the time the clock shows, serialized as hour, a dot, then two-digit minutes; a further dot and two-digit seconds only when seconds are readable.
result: 12.54
